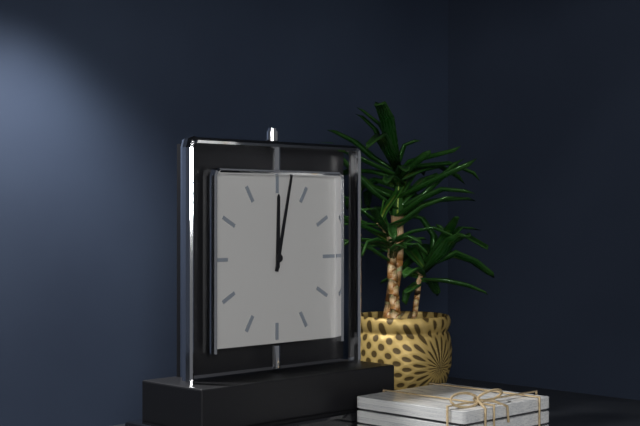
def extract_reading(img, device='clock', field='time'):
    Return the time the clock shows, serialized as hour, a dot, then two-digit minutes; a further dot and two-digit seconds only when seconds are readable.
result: 12.02
